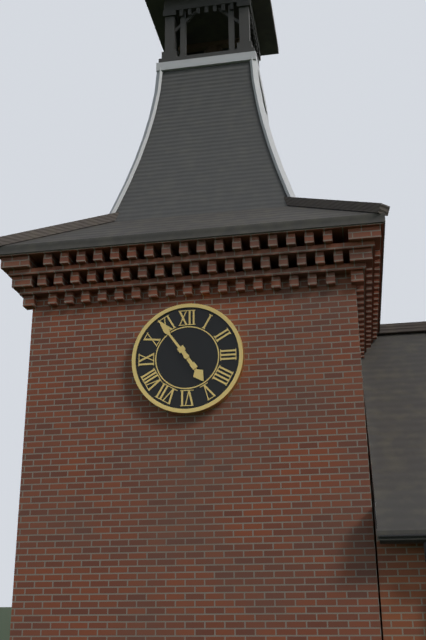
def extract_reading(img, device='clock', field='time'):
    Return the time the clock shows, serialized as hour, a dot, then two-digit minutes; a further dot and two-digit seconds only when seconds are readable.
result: 4.54
